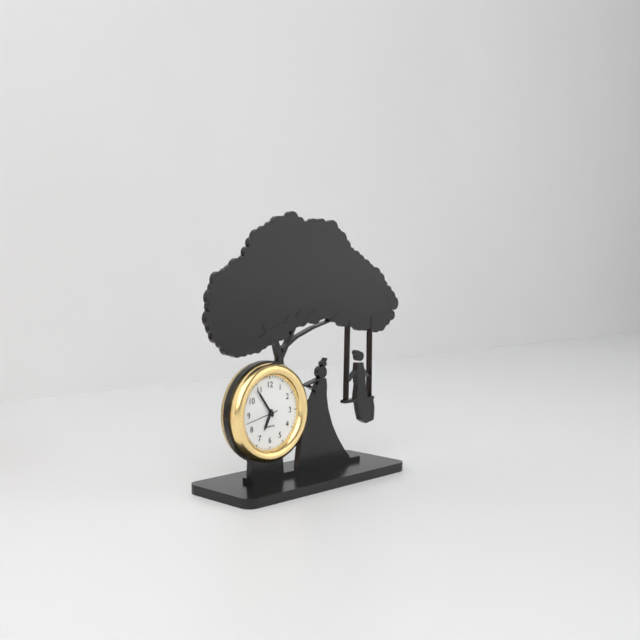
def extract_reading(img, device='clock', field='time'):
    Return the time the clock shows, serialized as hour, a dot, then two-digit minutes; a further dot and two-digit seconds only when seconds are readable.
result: 6.54
